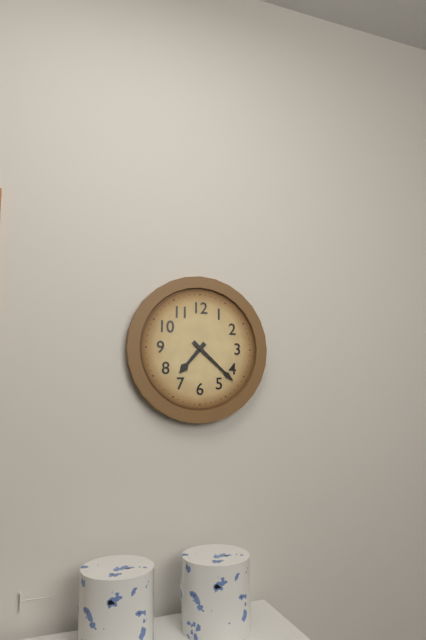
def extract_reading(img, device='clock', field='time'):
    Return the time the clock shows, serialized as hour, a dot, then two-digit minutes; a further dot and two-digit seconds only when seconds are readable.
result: 7.22
